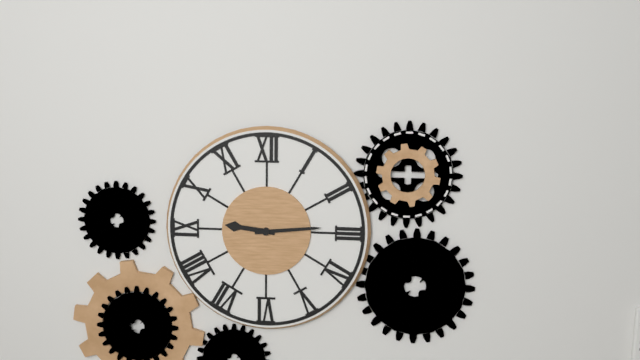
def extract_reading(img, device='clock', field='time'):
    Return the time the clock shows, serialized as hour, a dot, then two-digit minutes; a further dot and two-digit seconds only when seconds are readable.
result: 9.14
